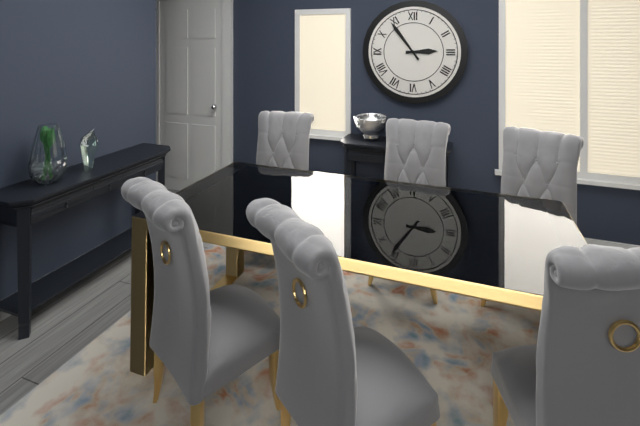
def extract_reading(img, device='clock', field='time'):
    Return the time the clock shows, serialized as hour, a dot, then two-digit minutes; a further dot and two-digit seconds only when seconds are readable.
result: 2.54
